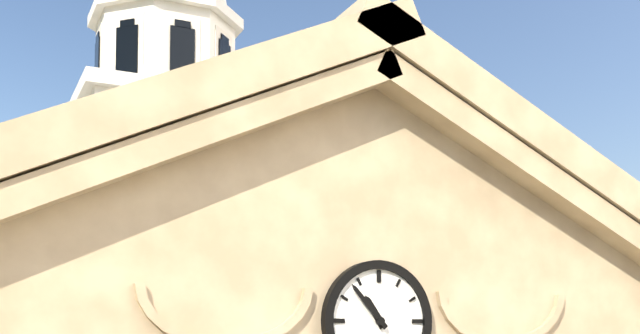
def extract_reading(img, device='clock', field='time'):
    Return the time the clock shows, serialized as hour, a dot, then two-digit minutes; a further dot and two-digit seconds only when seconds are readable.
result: 10.53
